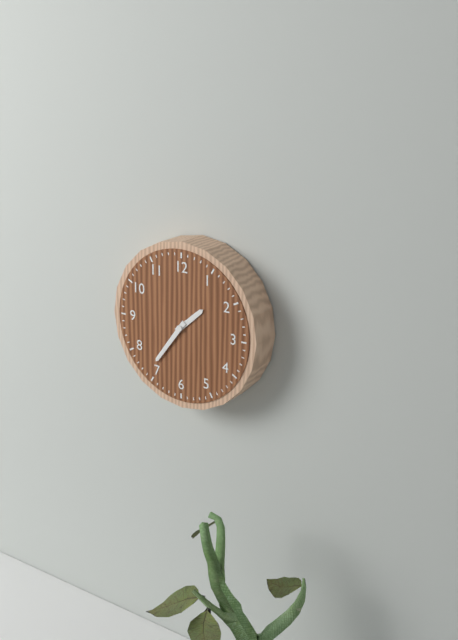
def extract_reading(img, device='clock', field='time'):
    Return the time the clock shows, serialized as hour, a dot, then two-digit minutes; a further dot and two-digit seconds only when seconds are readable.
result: 1.36
